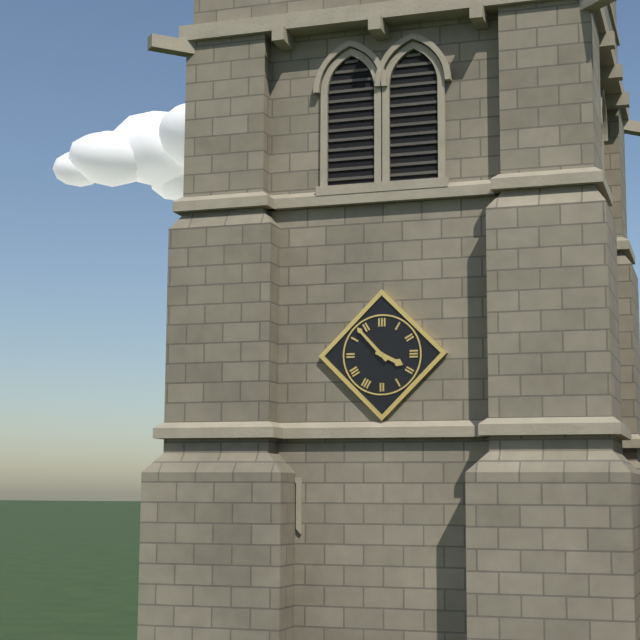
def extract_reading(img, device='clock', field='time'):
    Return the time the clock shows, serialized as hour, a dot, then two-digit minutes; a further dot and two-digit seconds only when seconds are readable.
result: 3.53
